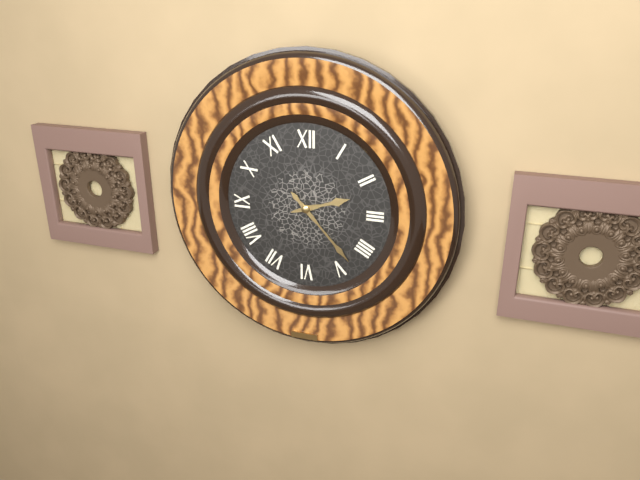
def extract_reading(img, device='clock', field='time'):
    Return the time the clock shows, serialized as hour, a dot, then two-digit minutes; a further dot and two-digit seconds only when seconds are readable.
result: 2.23
